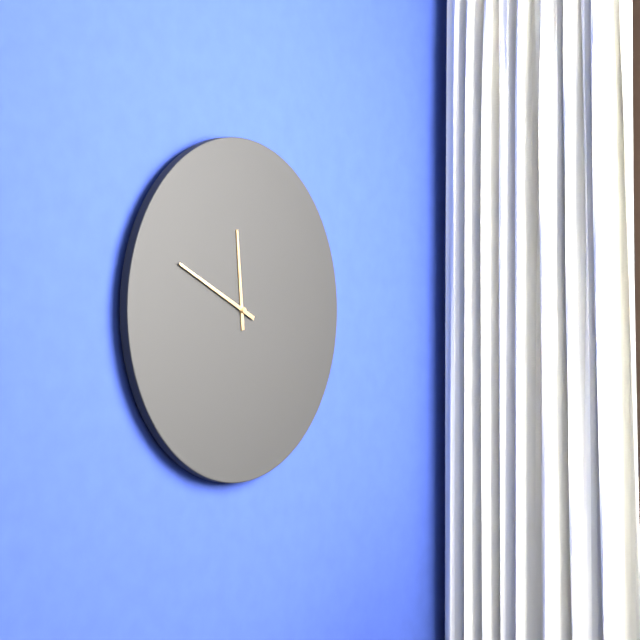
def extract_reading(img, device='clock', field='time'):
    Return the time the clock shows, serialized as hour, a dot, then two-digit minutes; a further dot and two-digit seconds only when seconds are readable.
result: 11.49
